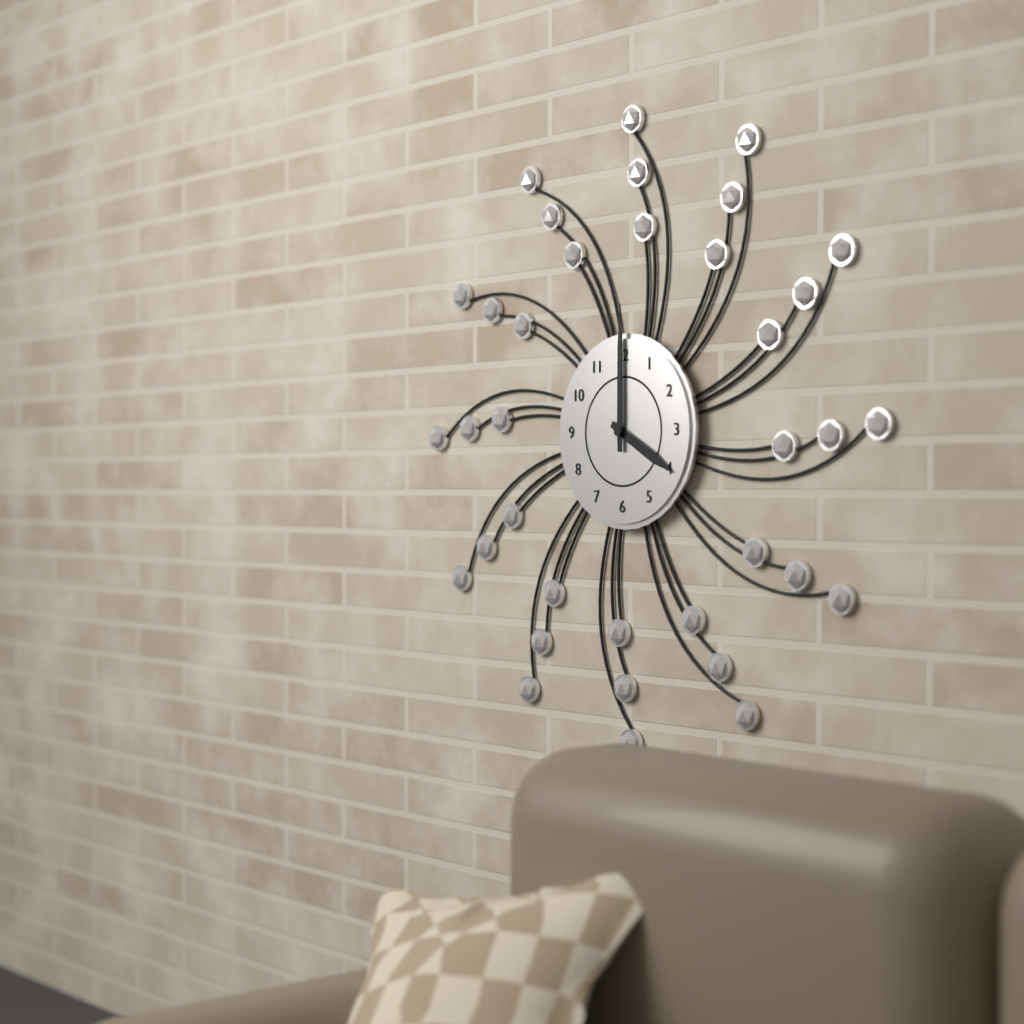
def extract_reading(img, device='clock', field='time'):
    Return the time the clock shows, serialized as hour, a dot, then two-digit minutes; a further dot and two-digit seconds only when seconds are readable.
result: 4.00
